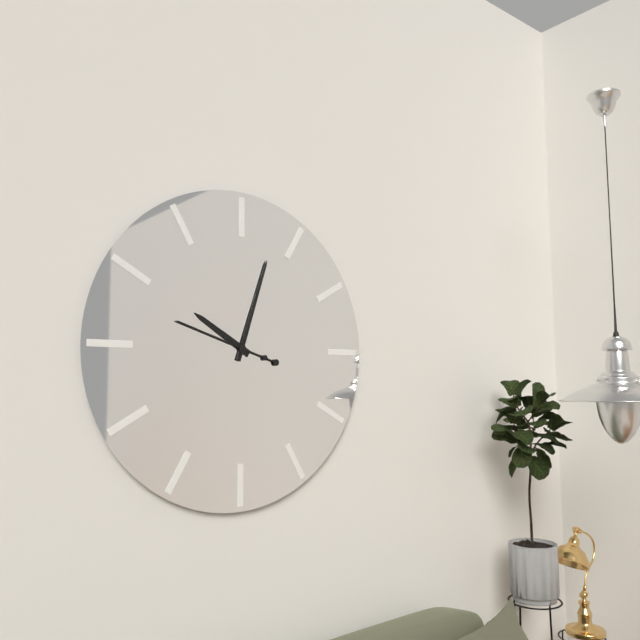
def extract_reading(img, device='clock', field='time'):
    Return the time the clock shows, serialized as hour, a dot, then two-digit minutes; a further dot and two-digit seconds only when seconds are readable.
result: 10.03.48
